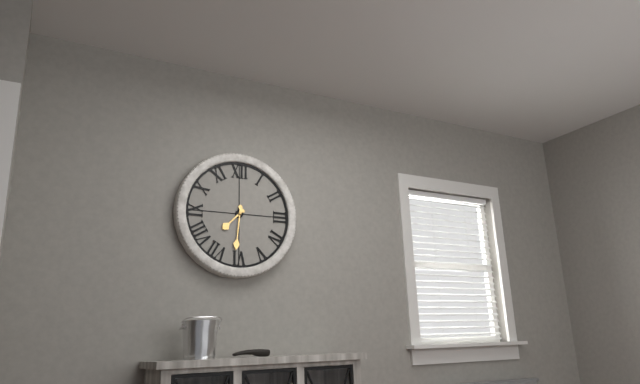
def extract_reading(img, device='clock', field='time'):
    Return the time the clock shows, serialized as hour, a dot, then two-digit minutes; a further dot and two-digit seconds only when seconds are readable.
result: 7.31
